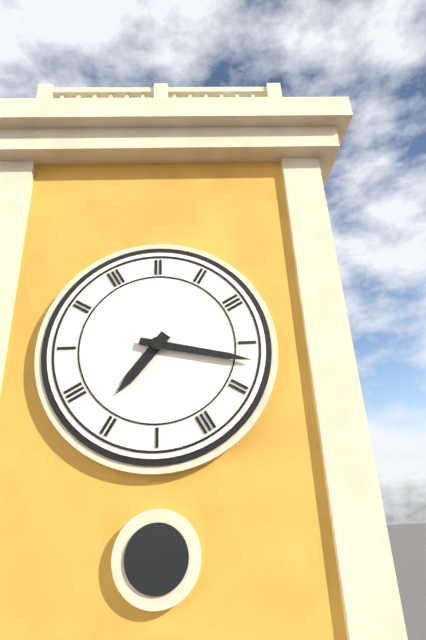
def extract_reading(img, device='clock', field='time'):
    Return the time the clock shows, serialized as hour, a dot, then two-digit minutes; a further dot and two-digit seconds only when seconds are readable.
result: 7.17
